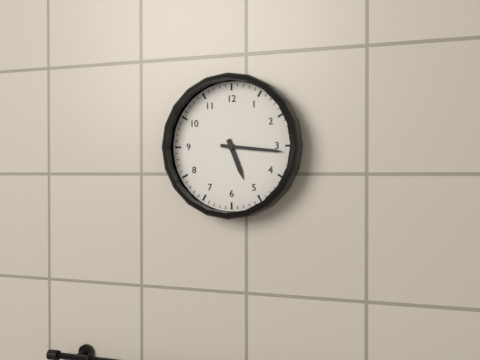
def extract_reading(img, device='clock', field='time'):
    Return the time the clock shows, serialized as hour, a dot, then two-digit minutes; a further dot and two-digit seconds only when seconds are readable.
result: 5.16
